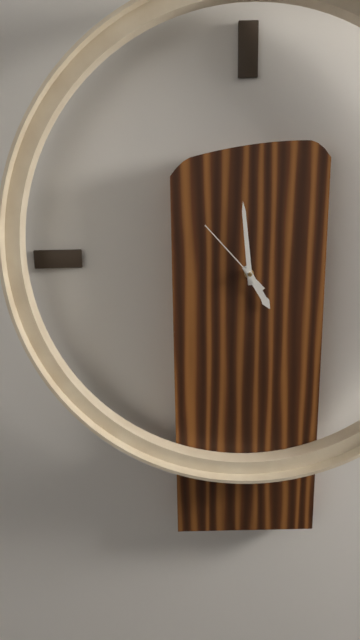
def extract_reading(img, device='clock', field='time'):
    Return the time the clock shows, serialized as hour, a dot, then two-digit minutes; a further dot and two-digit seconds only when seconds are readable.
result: 4.59.53
